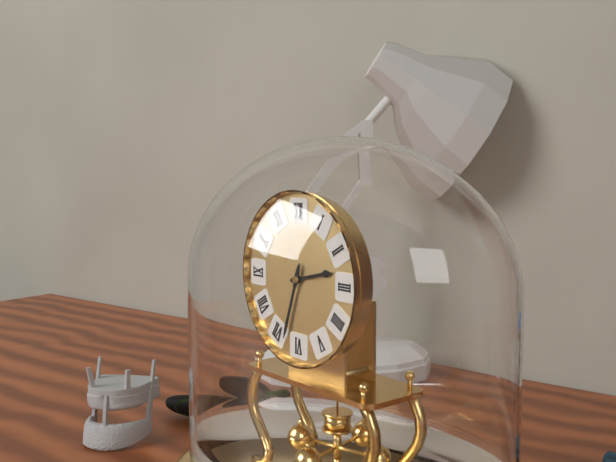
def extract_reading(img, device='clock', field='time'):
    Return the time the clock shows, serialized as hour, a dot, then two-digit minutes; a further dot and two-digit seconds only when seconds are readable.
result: 2.33
